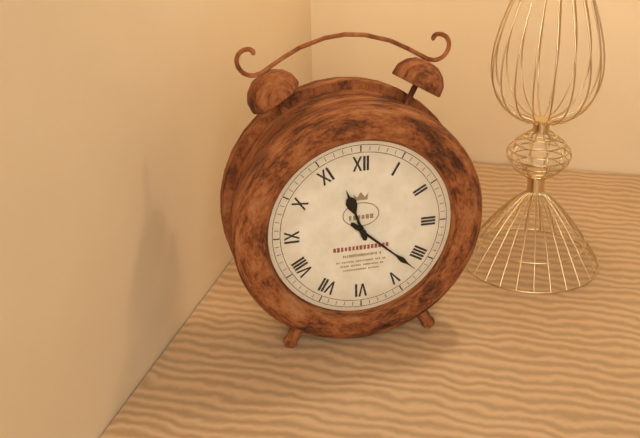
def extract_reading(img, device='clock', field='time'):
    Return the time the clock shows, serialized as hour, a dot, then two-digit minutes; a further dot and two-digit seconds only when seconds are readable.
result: 11.22
